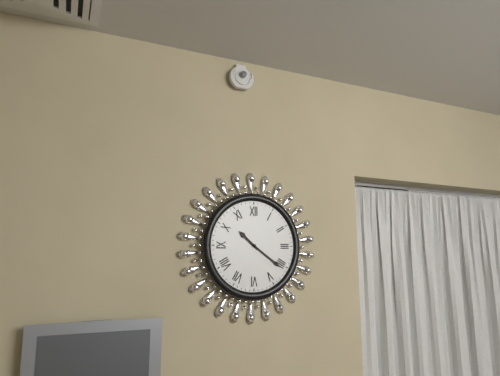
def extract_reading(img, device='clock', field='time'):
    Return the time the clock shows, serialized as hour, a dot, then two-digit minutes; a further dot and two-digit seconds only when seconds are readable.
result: 10.21
